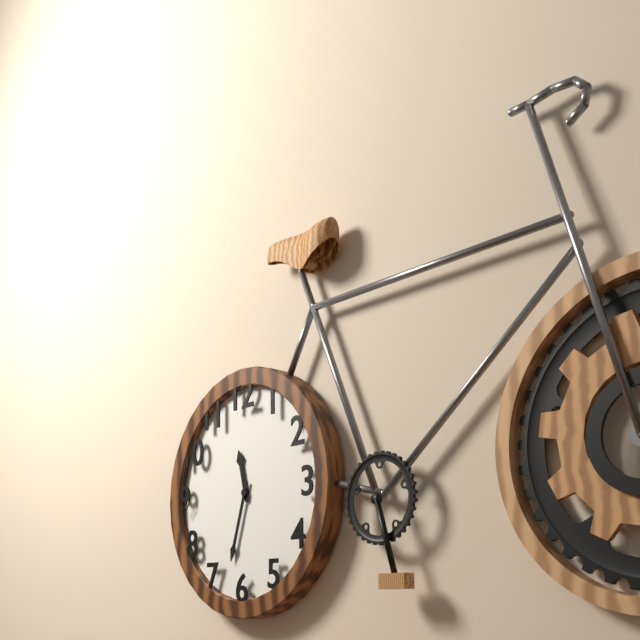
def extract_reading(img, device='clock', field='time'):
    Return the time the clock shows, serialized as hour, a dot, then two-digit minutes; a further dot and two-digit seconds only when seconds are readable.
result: 11.33
